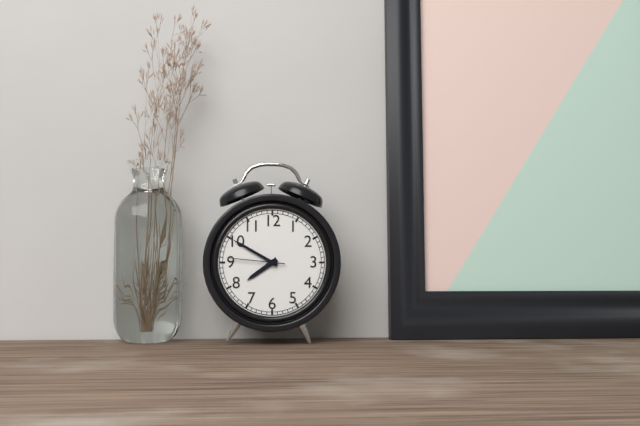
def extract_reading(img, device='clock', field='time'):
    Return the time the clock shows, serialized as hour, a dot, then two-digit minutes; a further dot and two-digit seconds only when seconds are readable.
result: 7.50.46
